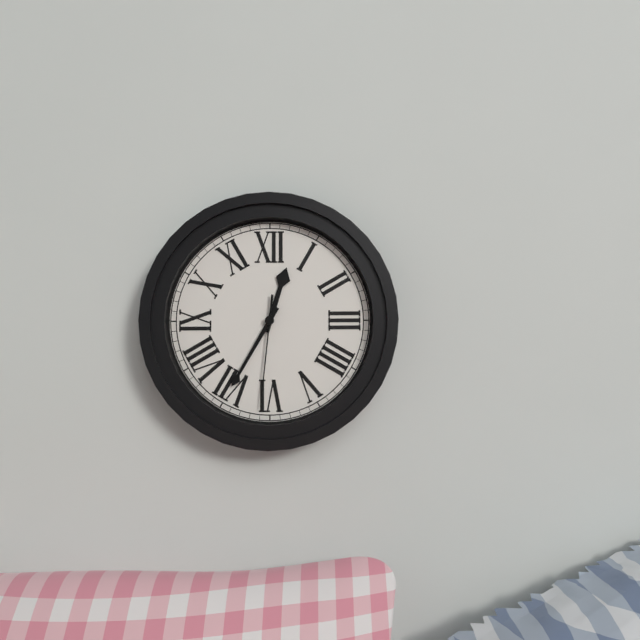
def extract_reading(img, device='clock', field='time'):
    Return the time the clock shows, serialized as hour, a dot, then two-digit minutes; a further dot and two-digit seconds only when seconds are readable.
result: 12.35.31
